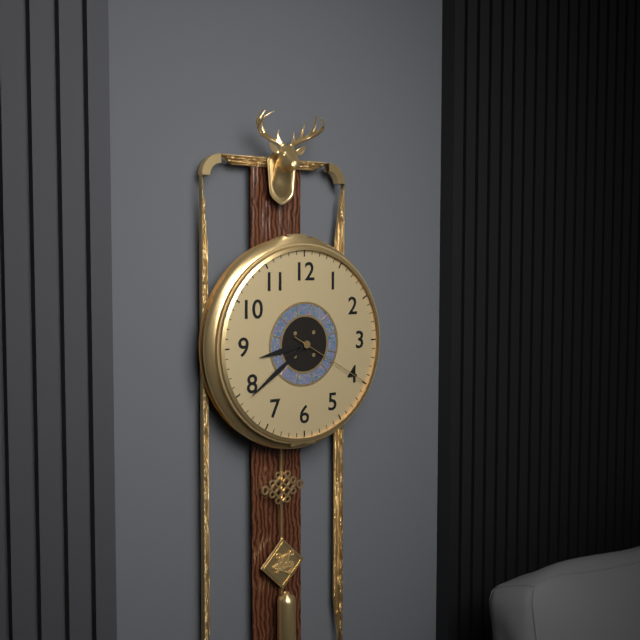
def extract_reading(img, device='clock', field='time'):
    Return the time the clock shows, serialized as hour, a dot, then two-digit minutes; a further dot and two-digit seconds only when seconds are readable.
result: 8.39.20
